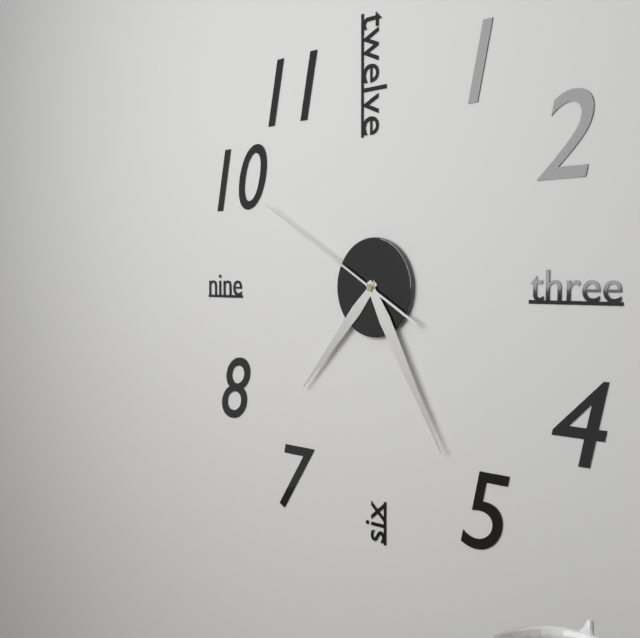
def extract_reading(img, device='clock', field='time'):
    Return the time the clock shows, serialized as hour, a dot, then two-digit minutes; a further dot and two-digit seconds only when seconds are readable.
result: 7.25.50
